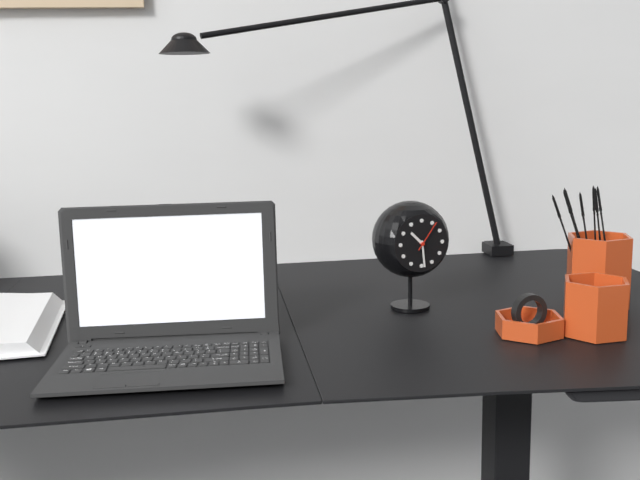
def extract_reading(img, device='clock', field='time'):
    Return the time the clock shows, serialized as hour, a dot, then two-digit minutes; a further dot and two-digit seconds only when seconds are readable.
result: 10.29
